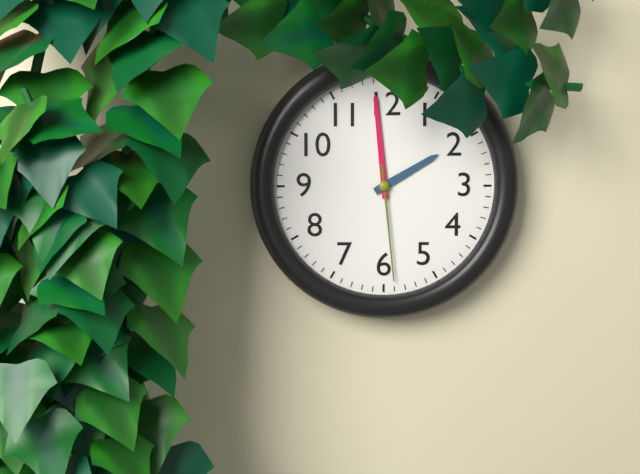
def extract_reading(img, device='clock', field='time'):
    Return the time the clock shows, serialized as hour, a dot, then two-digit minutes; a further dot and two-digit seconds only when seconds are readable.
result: 1.59.29
